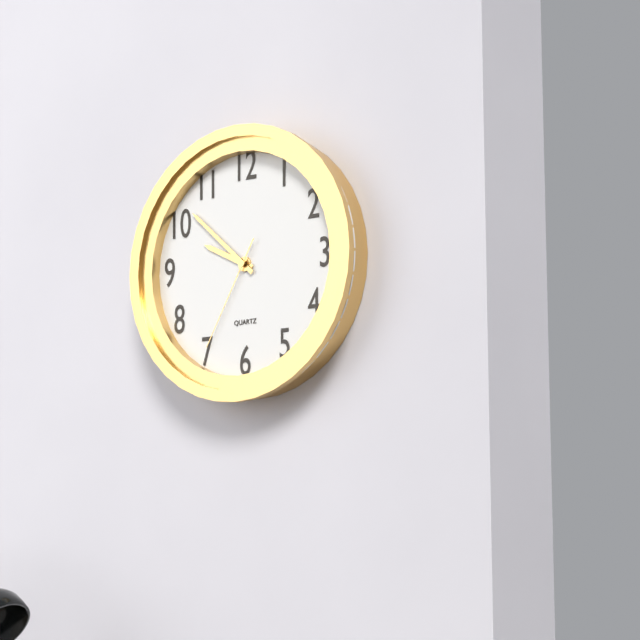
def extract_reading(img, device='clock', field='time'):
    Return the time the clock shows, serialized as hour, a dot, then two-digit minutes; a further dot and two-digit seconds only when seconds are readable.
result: 9.52.35
